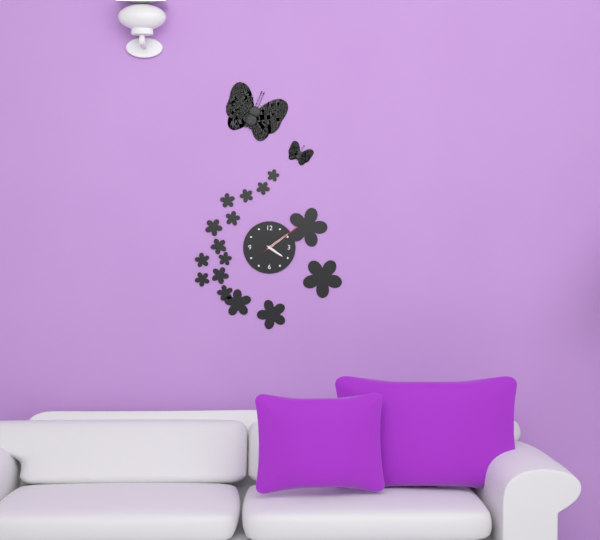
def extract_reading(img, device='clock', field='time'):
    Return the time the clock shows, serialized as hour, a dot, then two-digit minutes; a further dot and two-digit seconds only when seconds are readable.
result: 4.09
